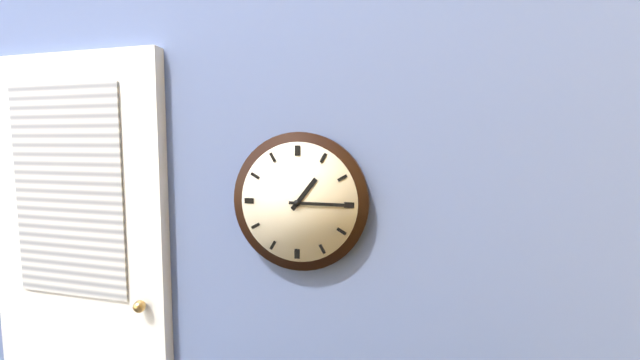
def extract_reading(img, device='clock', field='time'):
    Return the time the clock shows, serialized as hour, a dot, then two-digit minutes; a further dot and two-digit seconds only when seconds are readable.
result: 1.15
